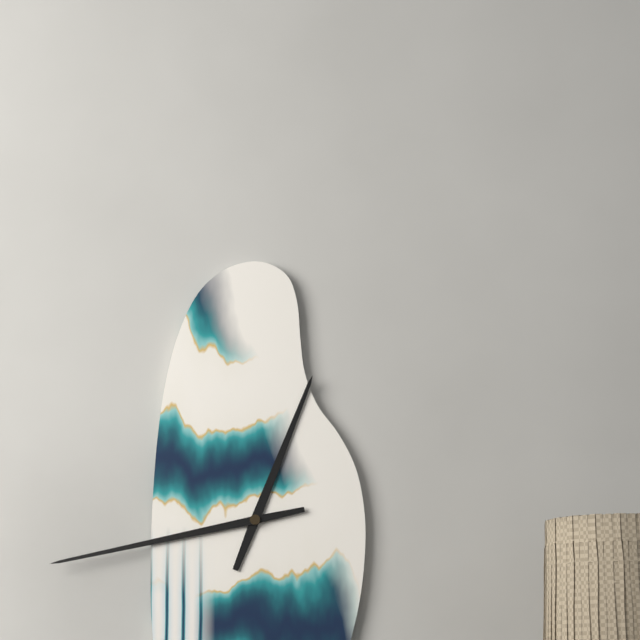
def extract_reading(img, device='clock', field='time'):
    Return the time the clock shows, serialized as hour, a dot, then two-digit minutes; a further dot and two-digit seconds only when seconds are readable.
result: 12.43
